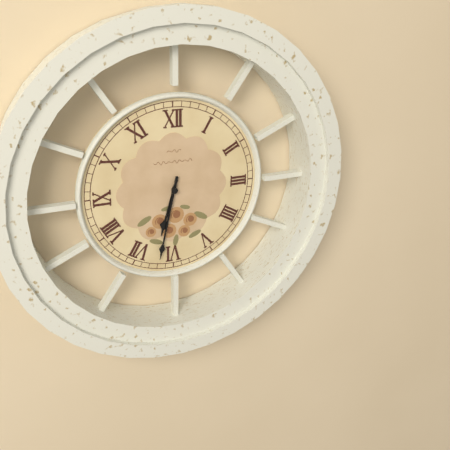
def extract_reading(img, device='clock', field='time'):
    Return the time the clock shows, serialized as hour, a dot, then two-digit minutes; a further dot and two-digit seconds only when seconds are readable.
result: 6.32
